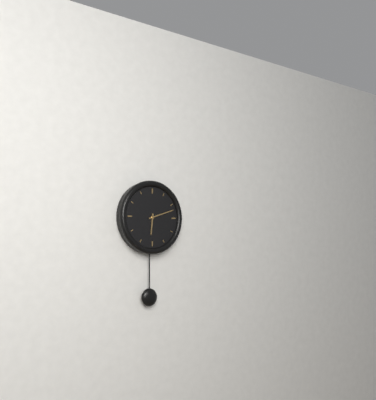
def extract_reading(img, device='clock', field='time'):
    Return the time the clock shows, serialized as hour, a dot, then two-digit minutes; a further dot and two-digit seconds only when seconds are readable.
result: 6.12
